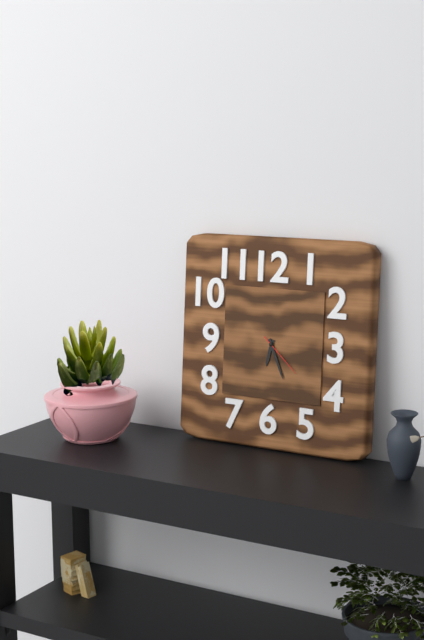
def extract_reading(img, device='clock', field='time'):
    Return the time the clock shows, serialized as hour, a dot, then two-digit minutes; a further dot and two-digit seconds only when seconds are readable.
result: 6.26
